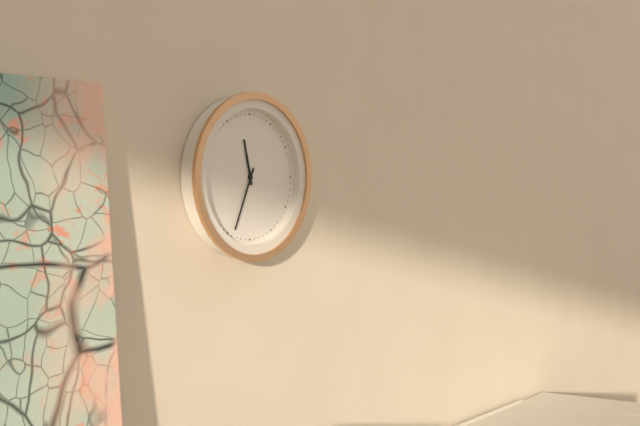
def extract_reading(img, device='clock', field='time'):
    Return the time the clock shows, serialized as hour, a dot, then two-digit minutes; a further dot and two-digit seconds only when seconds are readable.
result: 11.34
